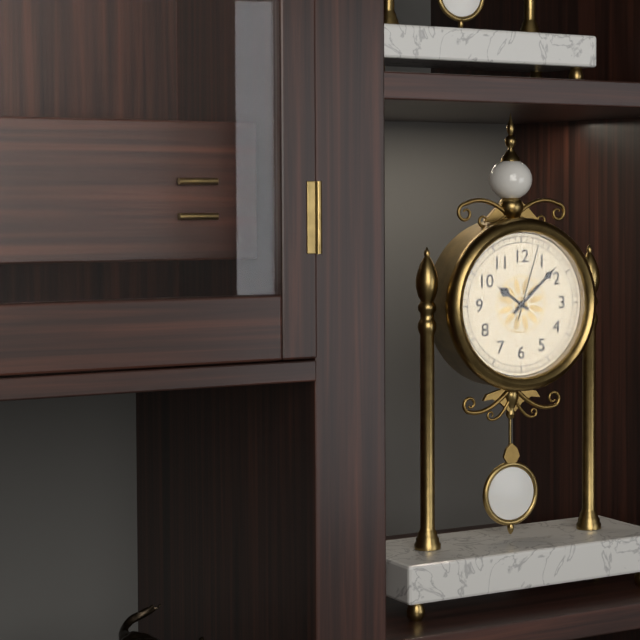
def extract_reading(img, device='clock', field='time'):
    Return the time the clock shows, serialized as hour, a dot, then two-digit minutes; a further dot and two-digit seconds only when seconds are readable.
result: 10.08.03
